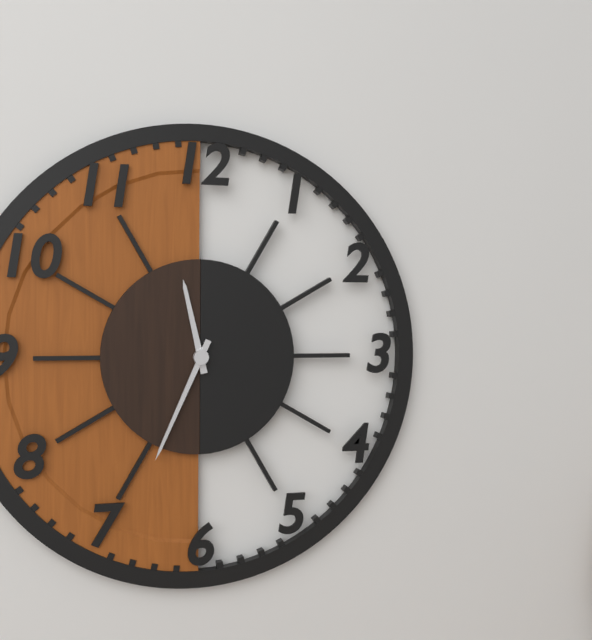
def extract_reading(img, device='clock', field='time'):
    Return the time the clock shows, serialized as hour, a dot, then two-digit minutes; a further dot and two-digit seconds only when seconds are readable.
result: 11.34
